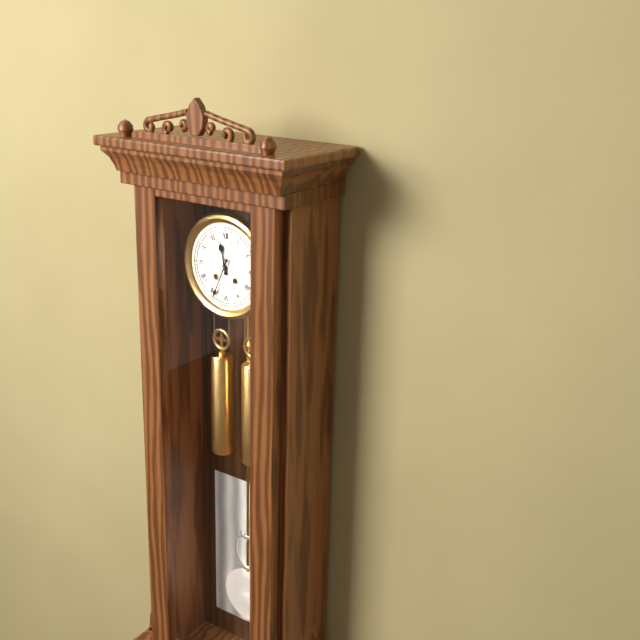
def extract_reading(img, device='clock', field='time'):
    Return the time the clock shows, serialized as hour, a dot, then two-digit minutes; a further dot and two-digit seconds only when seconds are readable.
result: 11.34
